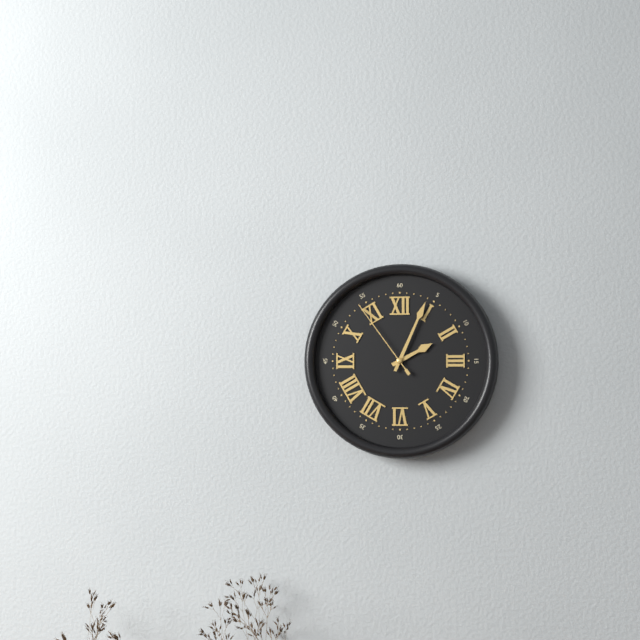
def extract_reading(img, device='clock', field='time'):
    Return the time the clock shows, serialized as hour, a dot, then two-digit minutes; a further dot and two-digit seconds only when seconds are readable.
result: 2.04.54
